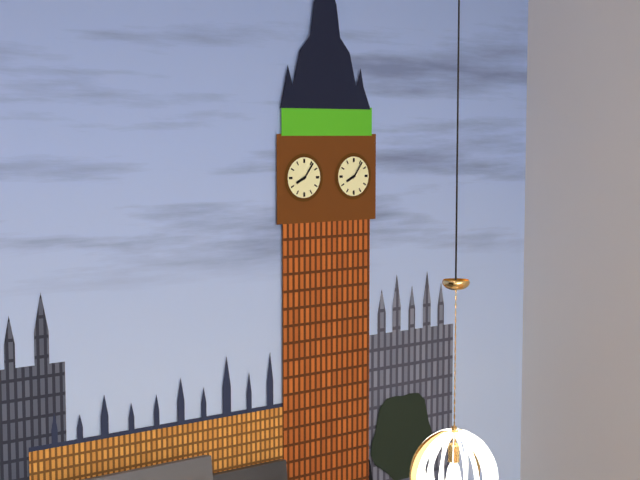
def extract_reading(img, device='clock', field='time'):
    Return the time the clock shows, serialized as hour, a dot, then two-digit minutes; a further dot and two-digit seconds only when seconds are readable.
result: 8.06
